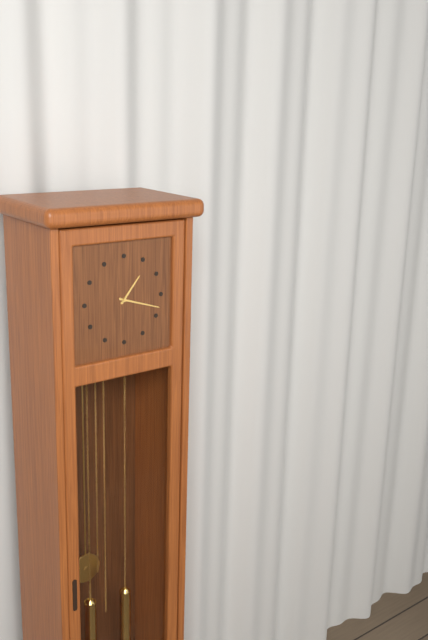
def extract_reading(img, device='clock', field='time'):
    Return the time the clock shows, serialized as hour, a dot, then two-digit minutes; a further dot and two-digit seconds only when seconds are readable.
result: 1.18
